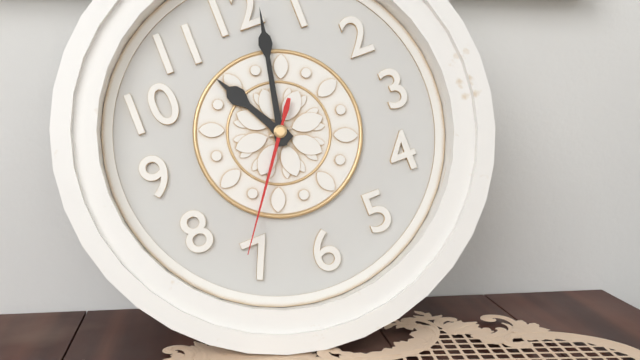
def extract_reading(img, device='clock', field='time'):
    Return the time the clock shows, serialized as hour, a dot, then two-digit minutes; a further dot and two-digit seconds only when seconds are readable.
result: 11.02.36
